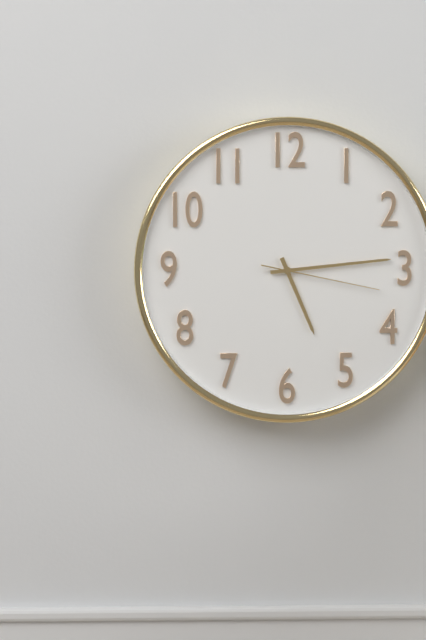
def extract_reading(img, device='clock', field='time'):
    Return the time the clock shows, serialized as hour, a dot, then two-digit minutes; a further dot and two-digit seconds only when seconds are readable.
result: 5.14.17
